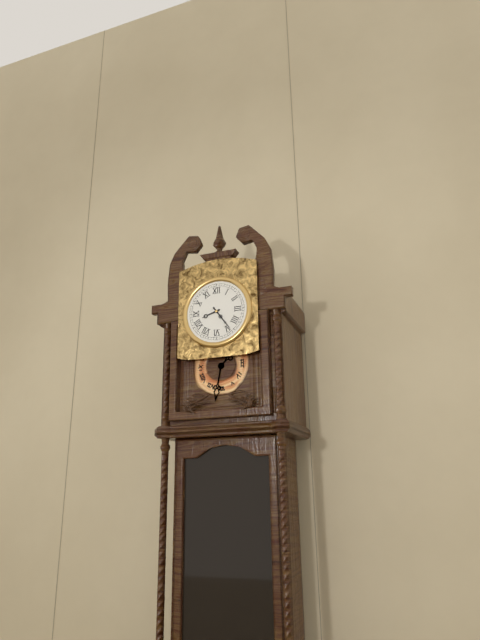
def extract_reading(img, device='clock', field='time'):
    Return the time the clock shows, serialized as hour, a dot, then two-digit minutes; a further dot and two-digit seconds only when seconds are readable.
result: 8.24
